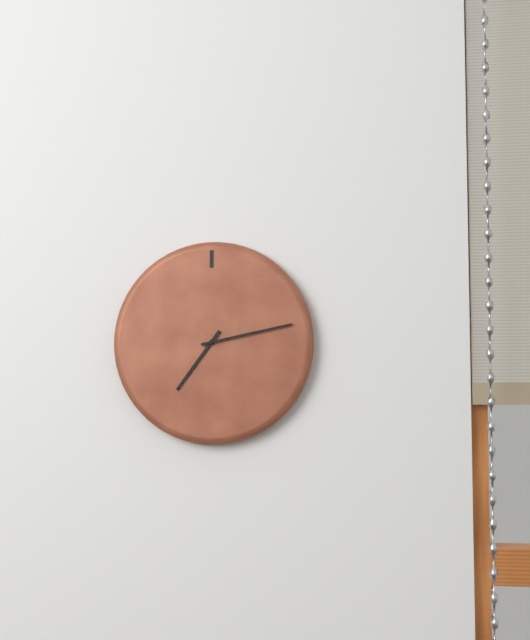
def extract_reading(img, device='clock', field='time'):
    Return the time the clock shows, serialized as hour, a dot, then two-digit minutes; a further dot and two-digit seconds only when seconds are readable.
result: 7.13
